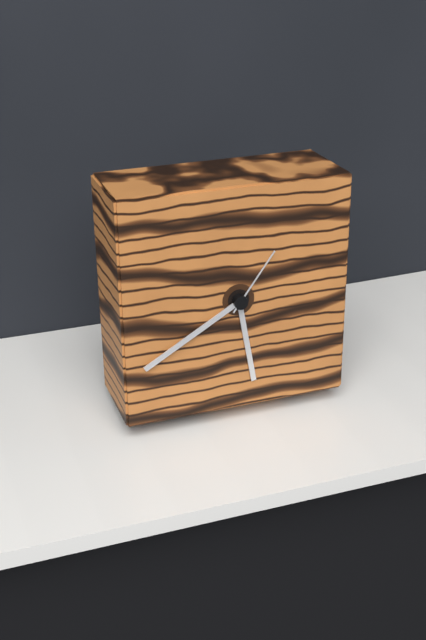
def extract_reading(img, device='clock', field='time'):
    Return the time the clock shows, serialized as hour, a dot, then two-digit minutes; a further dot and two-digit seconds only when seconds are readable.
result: 5.40.06
